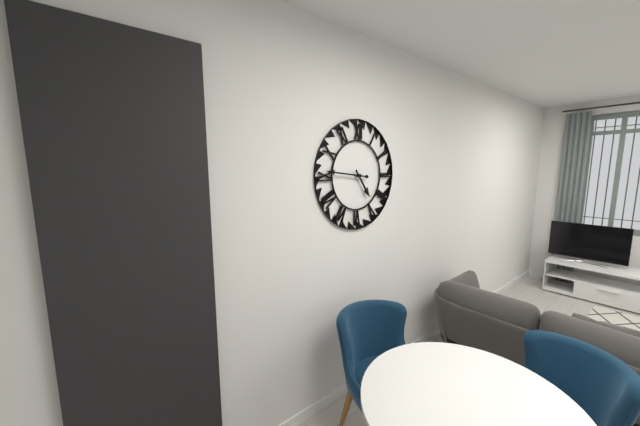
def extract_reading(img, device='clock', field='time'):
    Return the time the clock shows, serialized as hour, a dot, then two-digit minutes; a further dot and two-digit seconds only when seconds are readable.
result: 4.46
